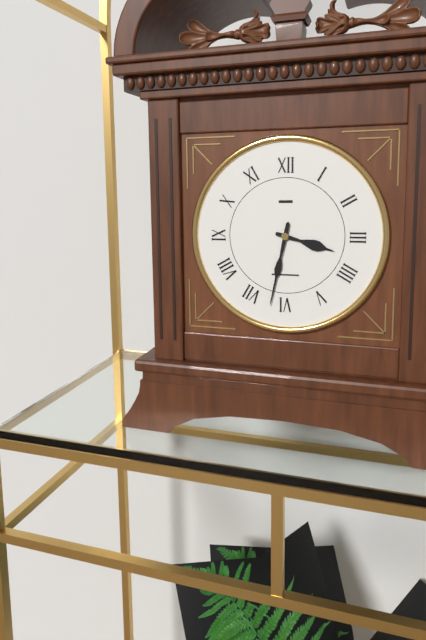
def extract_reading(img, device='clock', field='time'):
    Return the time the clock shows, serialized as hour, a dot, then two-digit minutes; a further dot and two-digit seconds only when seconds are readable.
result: 3.32
